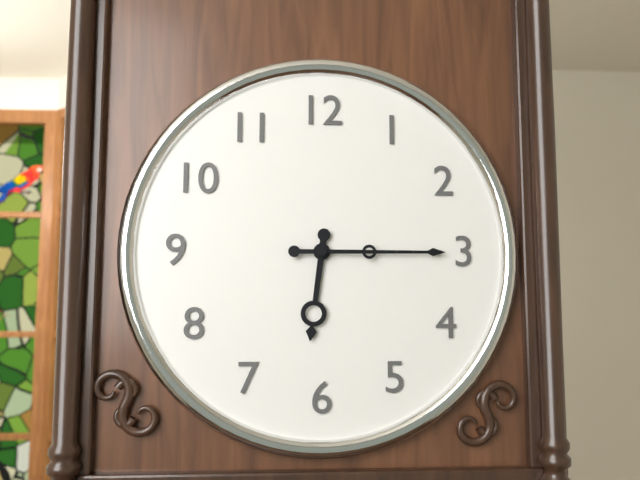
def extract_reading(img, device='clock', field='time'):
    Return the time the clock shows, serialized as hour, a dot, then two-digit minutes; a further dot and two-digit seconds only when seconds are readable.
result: 6.15
